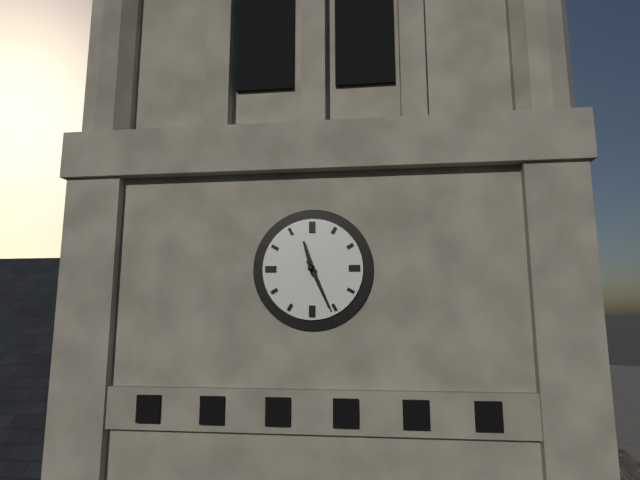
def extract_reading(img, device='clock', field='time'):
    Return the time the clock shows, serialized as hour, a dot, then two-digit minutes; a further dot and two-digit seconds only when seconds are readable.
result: 11.26
